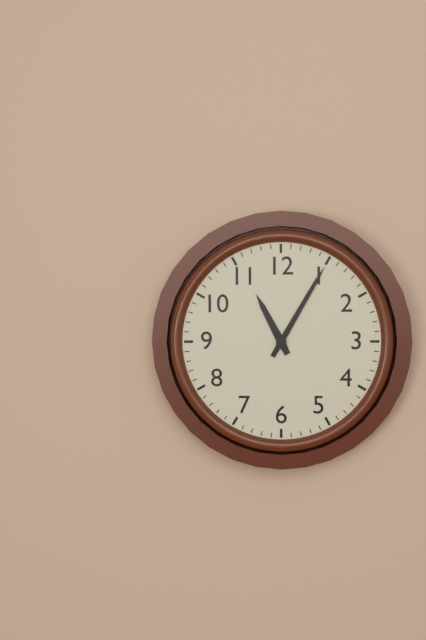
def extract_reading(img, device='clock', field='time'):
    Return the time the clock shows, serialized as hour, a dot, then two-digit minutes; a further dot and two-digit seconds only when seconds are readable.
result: 11.05
